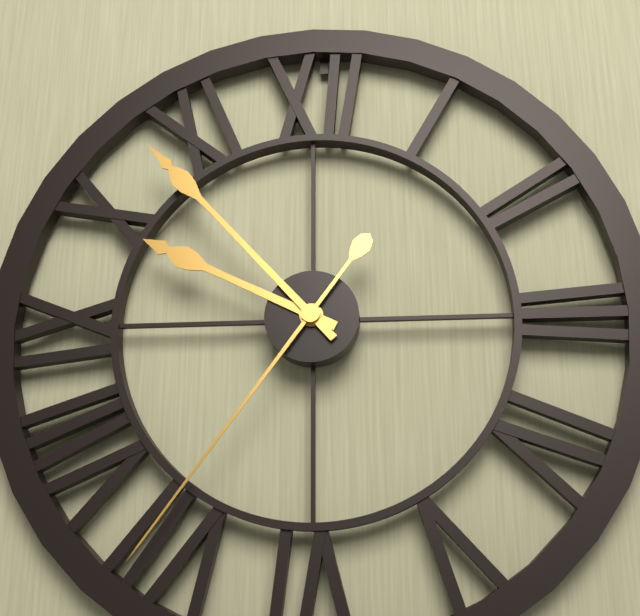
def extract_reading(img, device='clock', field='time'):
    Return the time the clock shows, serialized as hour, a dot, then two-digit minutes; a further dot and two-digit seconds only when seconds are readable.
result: 9.53.36
